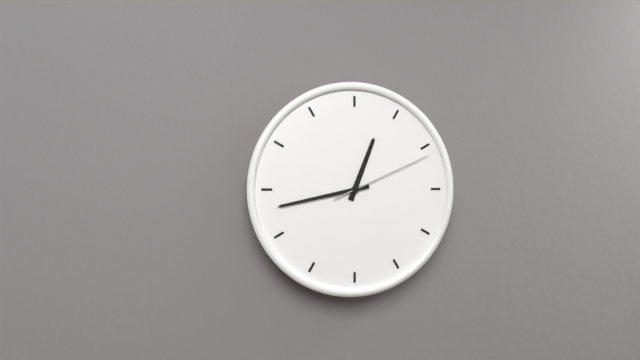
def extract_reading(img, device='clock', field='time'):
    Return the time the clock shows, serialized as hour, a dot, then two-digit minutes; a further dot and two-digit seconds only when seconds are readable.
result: 12.43.11
